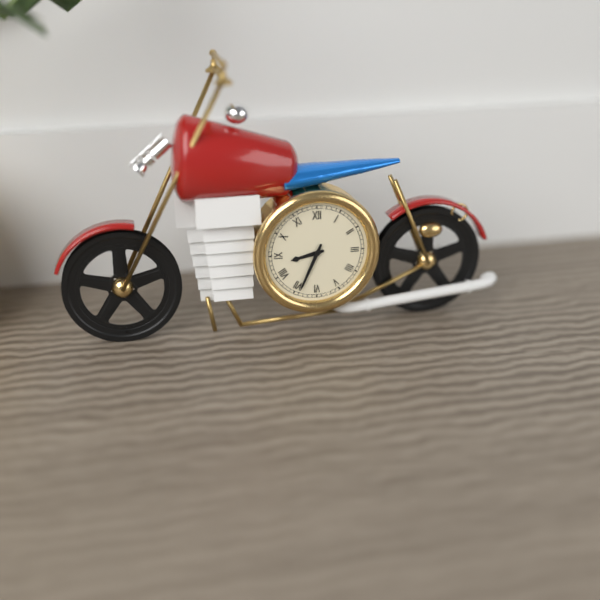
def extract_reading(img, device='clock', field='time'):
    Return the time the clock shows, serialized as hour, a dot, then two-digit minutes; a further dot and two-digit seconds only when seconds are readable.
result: 8.34
